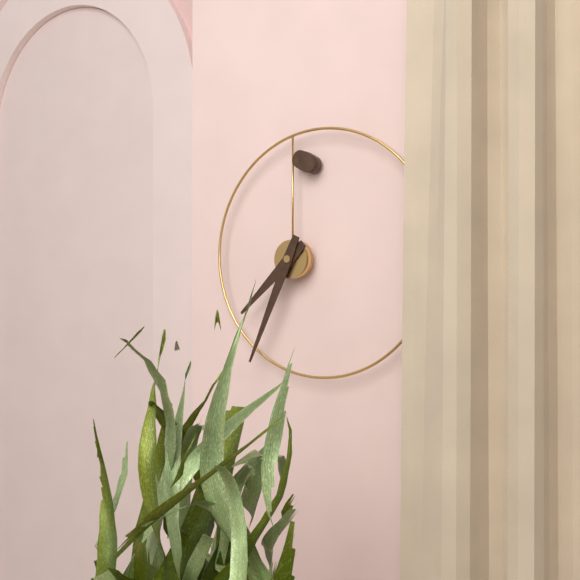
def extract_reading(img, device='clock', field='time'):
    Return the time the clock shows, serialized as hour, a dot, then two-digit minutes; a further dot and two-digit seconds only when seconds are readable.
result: 7.34
